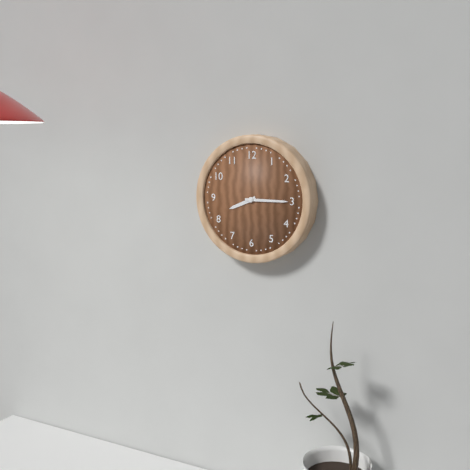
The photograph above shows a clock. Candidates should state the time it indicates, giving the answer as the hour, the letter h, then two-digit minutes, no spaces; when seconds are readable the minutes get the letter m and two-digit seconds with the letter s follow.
8h15
